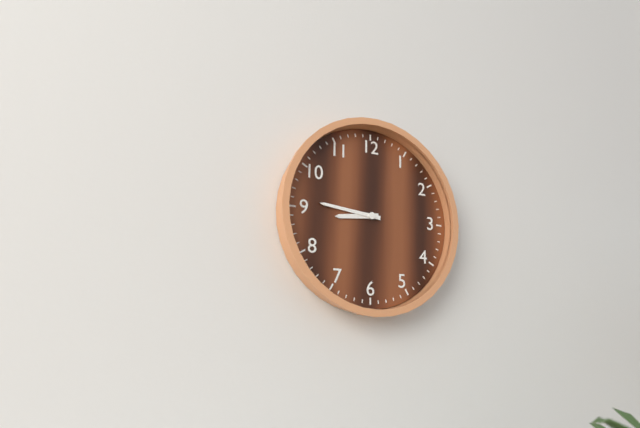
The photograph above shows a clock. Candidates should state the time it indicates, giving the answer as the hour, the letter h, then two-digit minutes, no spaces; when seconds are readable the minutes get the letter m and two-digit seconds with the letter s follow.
8h46
